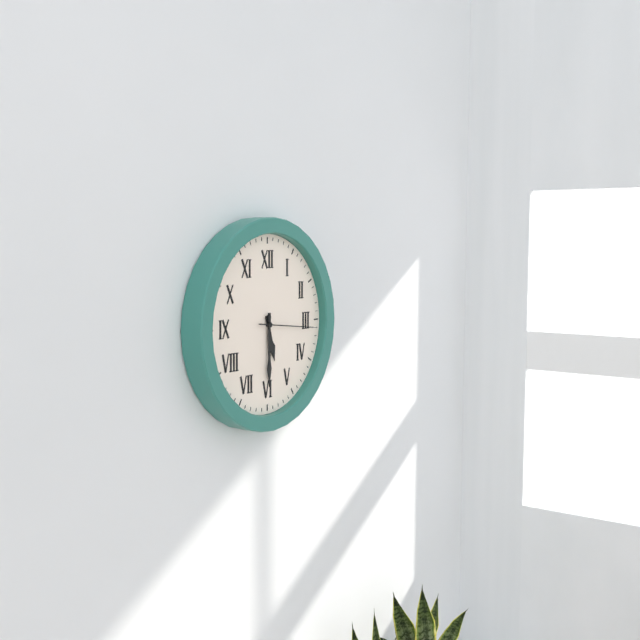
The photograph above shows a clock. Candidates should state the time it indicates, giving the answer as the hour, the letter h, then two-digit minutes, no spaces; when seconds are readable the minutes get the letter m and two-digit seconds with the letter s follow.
5h30m16s
